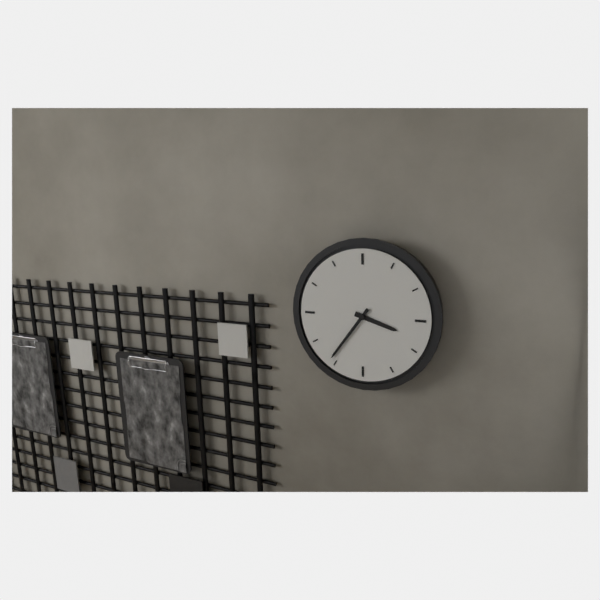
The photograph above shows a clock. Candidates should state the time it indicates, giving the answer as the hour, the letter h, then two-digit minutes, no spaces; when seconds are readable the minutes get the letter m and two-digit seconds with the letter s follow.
3h36
